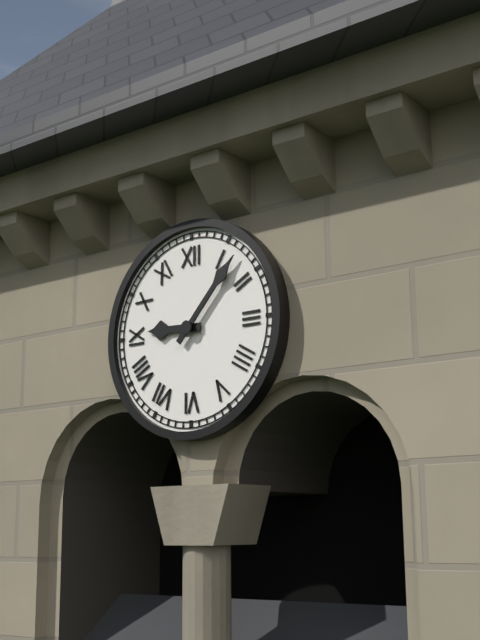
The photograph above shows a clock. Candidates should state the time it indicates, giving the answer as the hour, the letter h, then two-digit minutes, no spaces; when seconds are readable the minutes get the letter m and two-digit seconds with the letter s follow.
9h07
